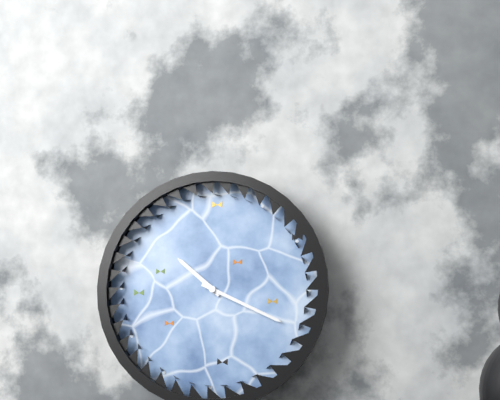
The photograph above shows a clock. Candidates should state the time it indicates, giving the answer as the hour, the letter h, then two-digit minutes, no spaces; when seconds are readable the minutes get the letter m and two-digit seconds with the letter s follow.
10h19
